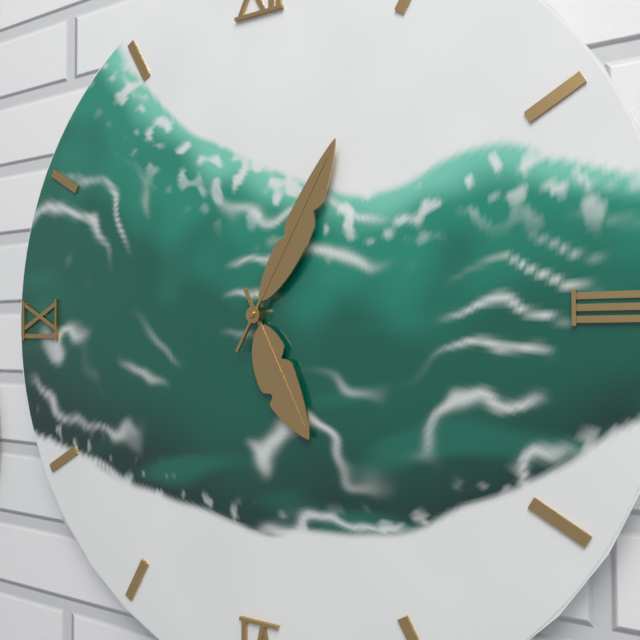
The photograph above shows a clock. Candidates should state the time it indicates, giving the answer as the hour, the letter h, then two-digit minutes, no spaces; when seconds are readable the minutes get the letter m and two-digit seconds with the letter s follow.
5h05
